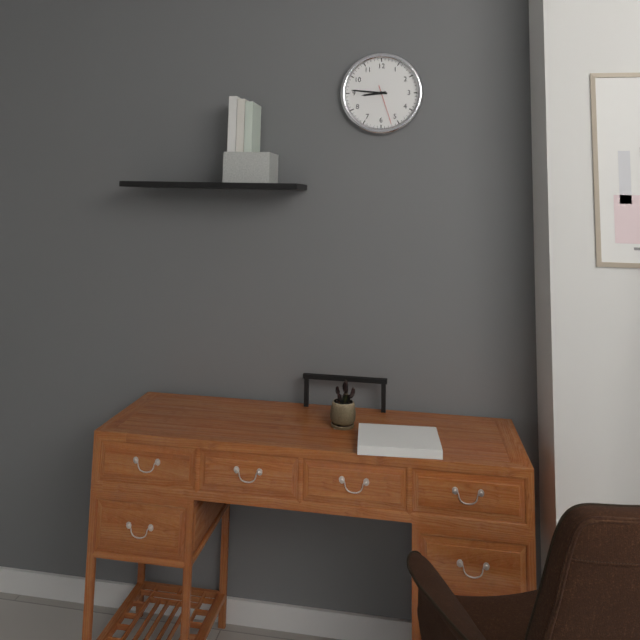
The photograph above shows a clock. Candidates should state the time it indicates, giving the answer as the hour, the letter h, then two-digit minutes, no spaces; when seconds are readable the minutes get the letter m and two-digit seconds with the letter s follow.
8h46
